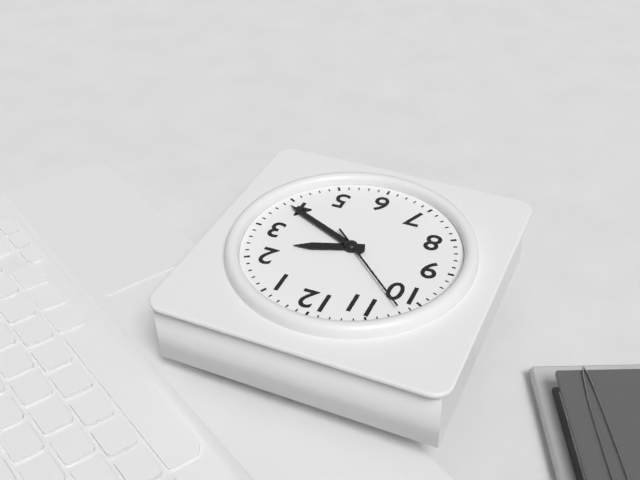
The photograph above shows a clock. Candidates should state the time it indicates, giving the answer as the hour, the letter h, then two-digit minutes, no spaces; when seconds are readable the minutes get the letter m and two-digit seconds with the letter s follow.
2h19m52s
